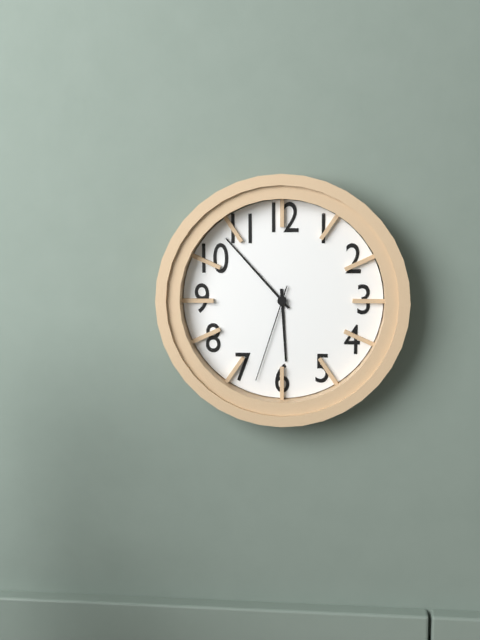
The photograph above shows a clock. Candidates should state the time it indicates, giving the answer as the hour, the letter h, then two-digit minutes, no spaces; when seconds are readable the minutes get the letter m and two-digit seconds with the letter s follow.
5h53m33s
